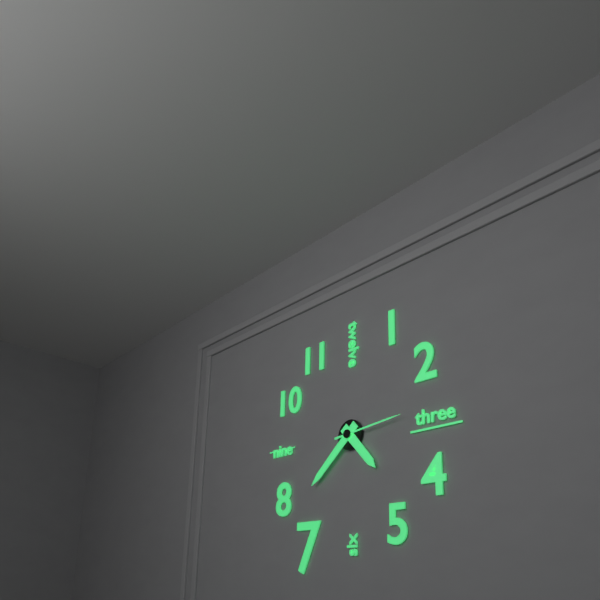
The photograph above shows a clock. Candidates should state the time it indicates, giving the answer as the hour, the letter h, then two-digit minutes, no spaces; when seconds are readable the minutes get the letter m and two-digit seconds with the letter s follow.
4h38m14s
